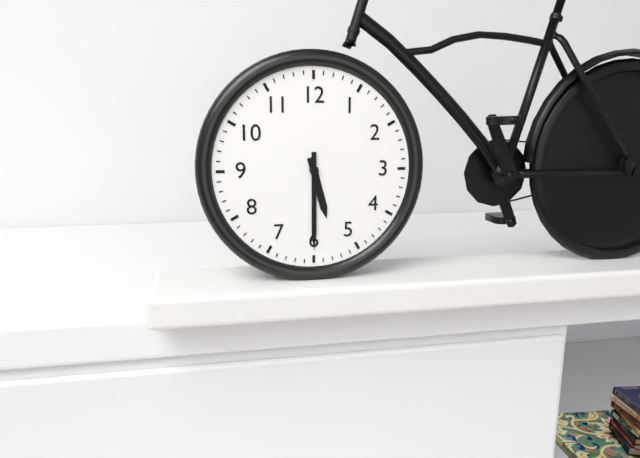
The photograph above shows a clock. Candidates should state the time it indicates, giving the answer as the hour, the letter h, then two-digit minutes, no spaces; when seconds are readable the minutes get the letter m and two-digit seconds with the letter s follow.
5h30
